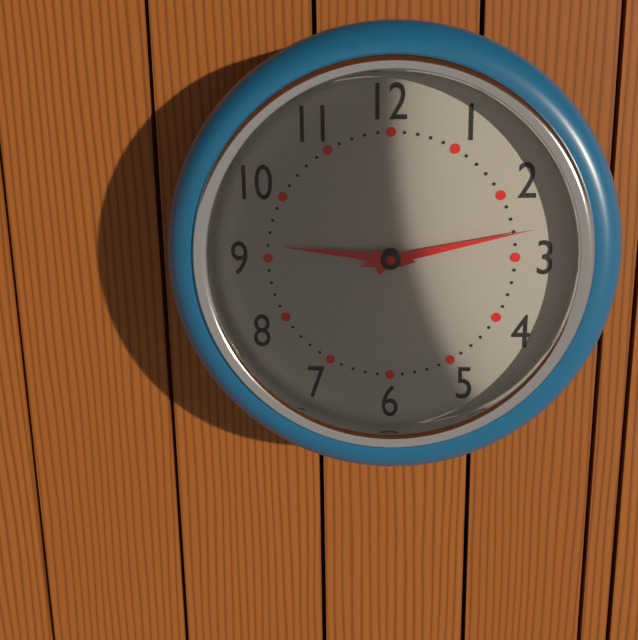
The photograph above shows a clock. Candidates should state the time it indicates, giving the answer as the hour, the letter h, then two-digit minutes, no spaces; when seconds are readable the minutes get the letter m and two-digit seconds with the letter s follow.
9h13
